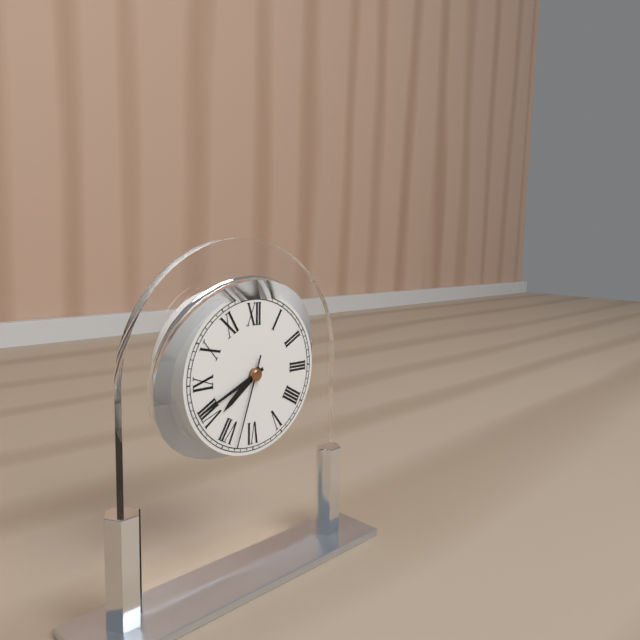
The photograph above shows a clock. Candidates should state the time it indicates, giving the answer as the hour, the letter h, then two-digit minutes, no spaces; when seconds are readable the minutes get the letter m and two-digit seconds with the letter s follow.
7h41m33s
